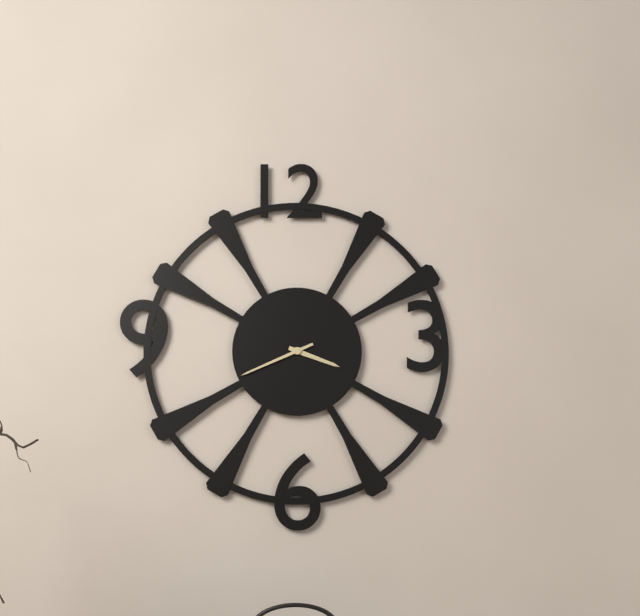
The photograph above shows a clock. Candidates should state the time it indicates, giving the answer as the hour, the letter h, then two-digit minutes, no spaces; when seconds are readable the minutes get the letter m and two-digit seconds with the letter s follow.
3h41
